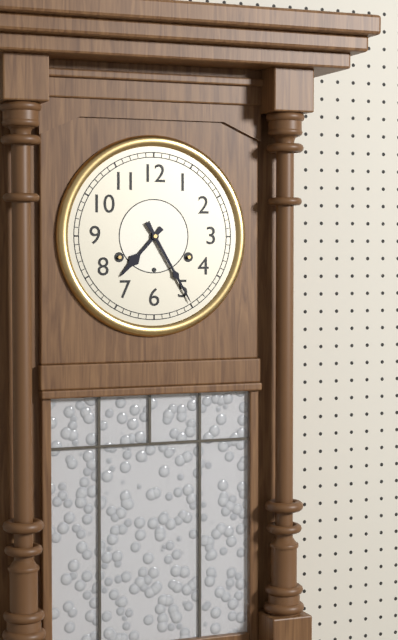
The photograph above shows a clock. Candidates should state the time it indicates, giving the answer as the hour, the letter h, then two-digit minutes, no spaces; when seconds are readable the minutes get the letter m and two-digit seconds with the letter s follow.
7h25
